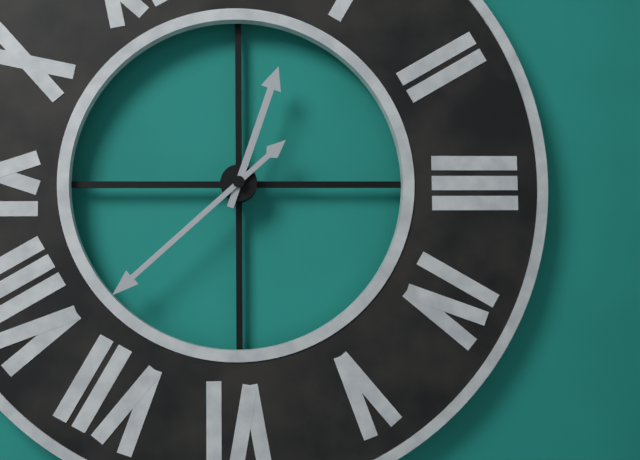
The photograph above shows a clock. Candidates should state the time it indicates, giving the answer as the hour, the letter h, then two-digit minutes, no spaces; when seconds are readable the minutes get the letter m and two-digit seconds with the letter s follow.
12h38
